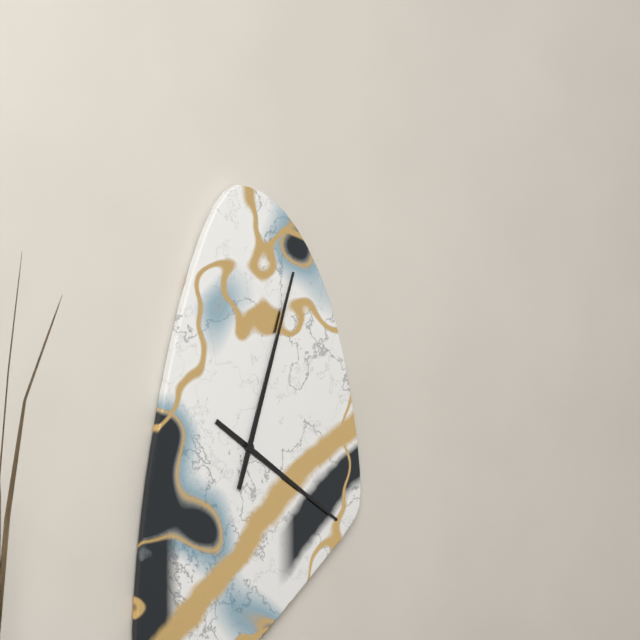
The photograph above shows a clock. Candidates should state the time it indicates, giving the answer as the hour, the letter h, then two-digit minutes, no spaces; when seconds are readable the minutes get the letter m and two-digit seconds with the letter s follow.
4h03
